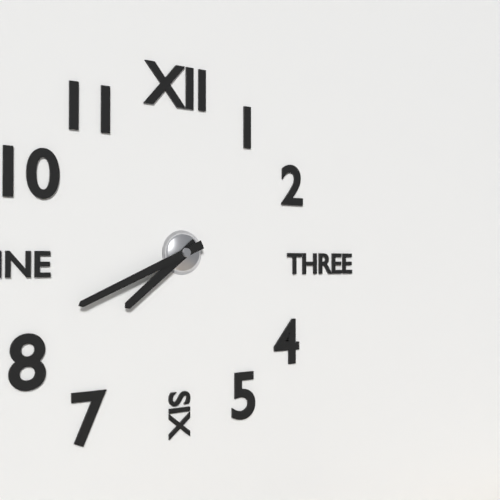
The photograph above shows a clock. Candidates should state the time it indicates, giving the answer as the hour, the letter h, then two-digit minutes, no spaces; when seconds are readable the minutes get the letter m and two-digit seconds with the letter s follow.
7h41
